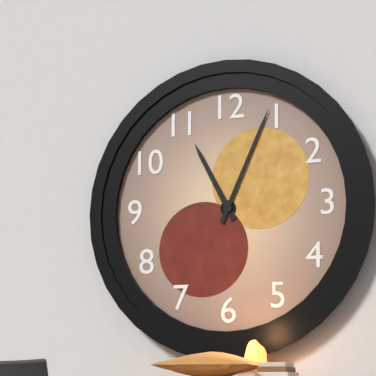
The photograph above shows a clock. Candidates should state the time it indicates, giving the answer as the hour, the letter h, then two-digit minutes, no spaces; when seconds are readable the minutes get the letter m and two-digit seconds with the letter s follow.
11h04
